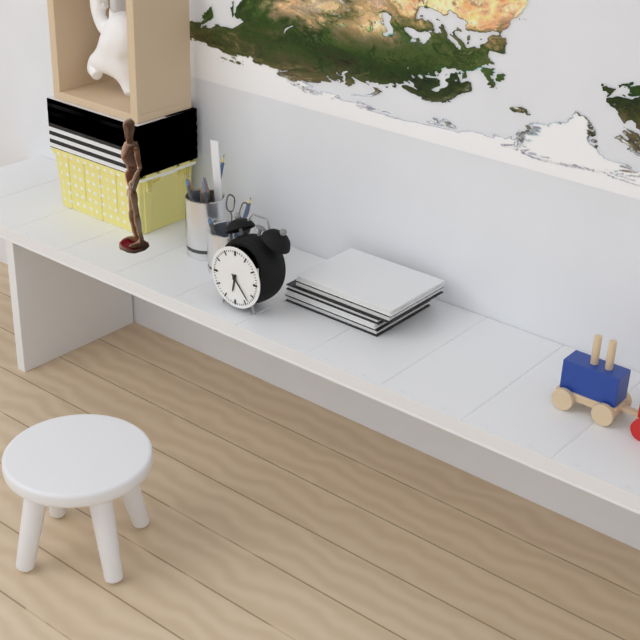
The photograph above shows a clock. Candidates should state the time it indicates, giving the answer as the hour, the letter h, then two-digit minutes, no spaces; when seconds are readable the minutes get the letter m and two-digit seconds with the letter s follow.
6h23
